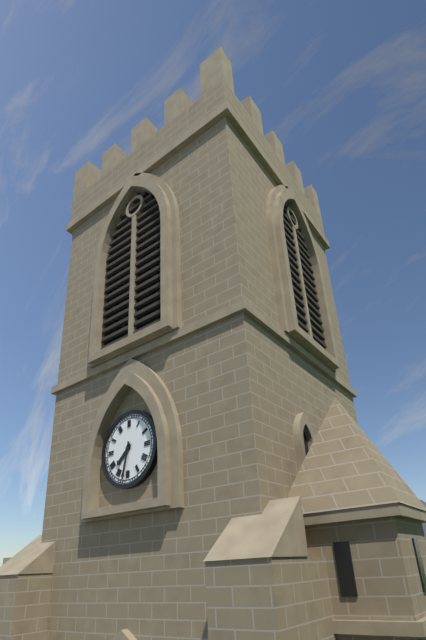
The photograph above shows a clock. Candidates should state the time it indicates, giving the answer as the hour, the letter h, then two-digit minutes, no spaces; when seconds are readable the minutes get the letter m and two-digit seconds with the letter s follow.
7h32
